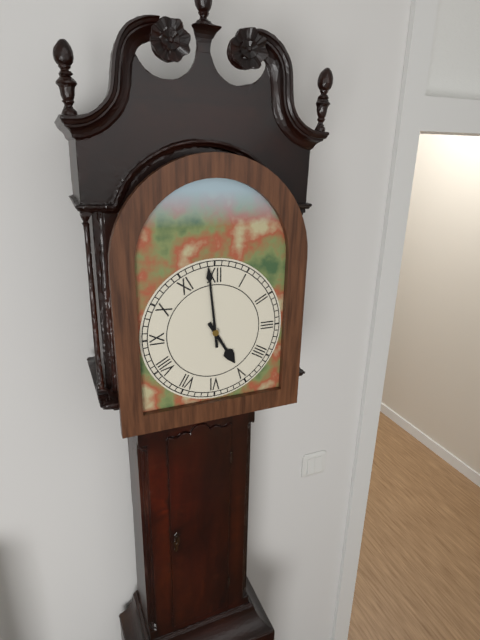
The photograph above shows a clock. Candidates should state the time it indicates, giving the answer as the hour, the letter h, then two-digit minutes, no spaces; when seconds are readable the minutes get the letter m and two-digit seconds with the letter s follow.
4h59
